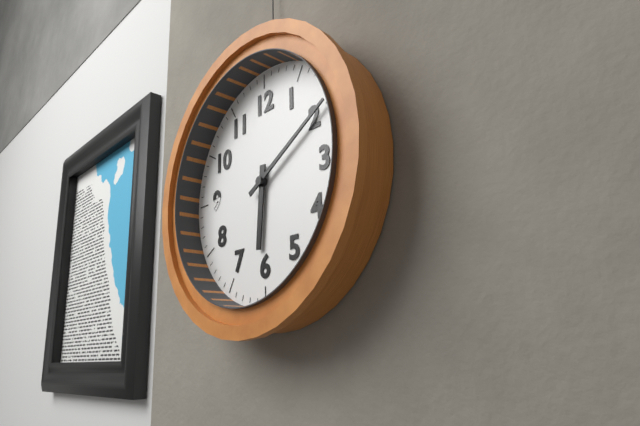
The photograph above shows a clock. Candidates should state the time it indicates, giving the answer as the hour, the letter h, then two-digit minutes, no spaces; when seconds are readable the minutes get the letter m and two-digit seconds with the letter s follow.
6h10
